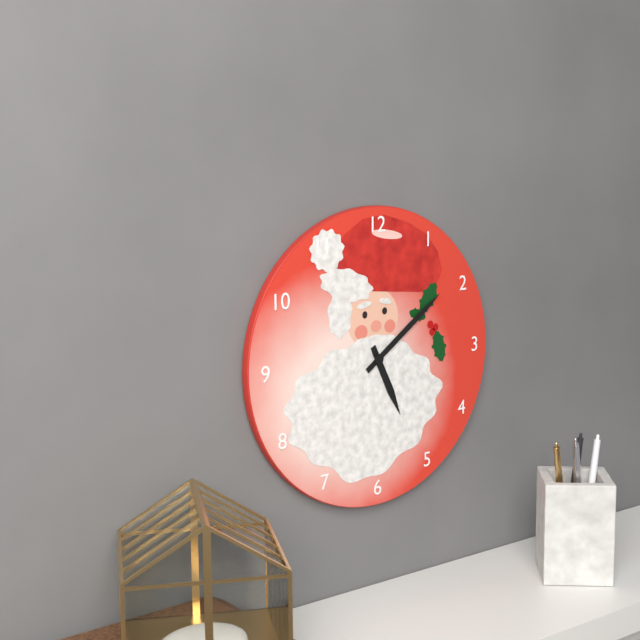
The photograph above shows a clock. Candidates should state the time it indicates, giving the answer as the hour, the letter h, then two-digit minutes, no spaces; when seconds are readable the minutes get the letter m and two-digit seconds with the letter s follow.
5h09
